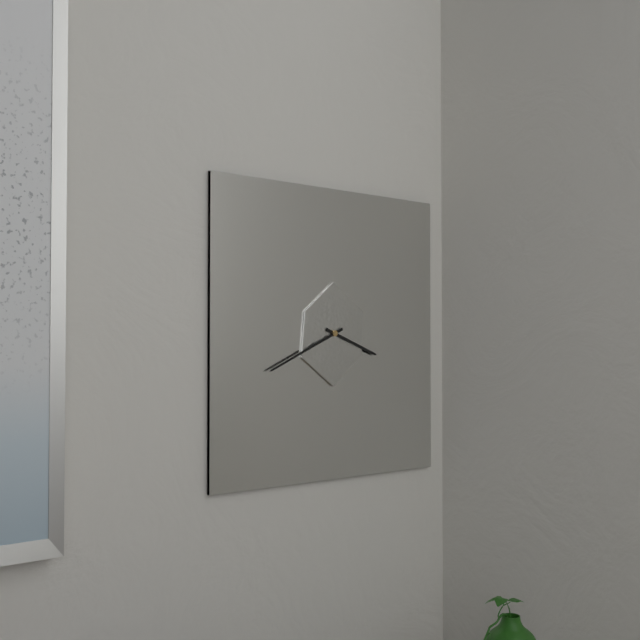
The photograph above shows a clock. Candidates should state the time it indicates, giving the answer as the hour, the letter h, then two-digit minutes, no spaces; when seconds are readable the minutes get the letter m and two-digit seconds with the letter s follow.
3h41
